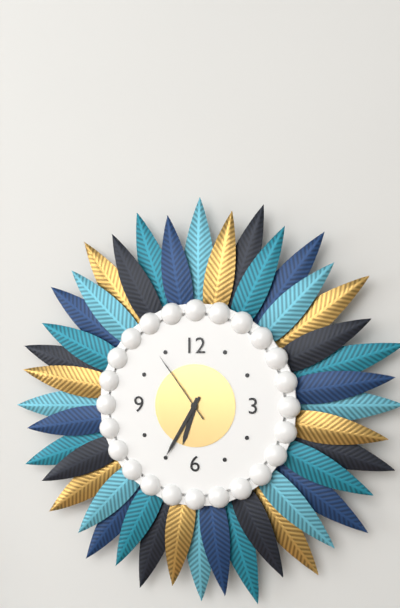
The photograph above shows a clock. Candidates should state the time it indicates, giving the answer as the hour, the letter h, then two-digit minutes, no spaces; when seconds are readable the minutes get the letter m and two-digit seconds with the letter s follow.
6h35m54s
